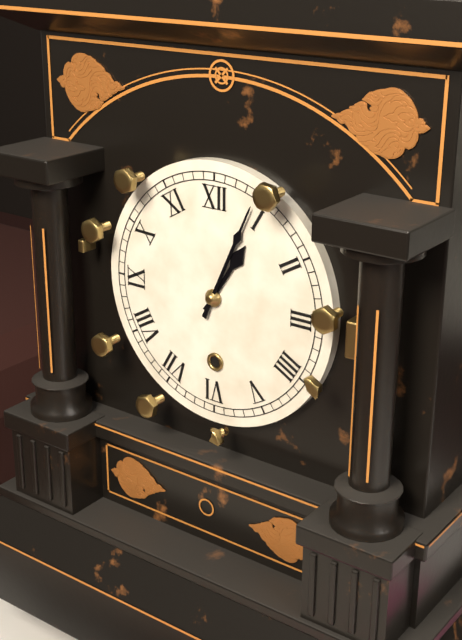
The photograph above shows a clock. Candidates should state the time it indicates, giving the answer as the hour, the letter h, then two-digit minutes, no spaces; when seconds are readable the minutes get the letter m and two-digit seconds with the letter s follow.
1h04
